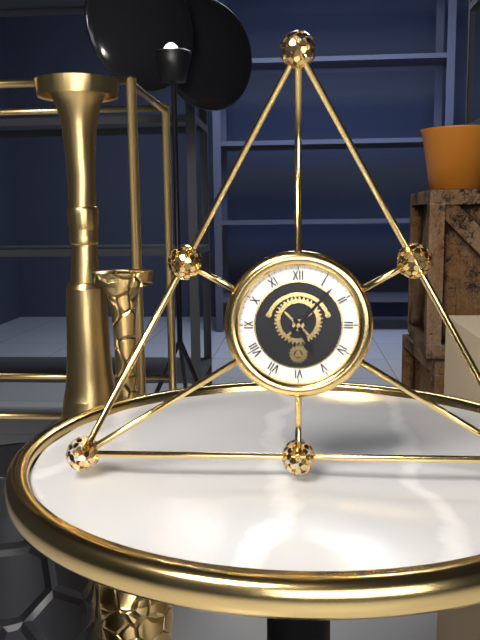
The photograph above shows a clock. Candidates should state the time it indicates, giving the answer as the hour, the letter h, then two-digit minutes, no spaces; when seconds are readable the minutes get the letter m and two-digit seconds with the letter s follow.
5h07
